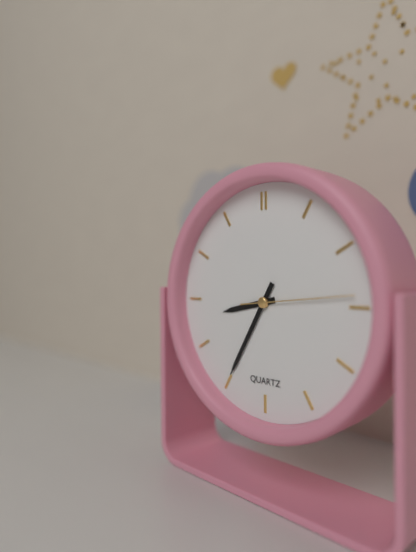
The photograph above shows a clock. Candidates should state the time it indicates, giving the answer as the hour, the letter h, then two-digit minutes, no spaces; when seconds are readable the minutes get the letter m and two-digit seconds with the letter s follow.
8h35m14s
